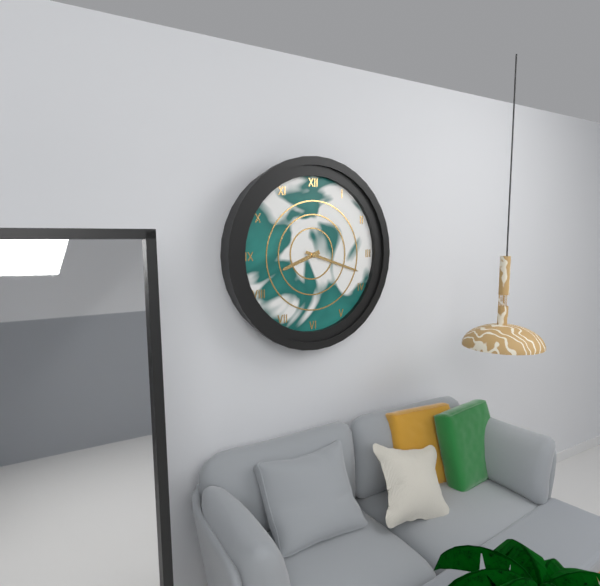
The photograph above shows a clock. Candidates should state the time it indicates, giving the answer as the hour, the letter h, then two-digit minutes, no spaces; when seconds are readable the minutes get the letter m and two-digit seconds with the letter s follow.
8h18
